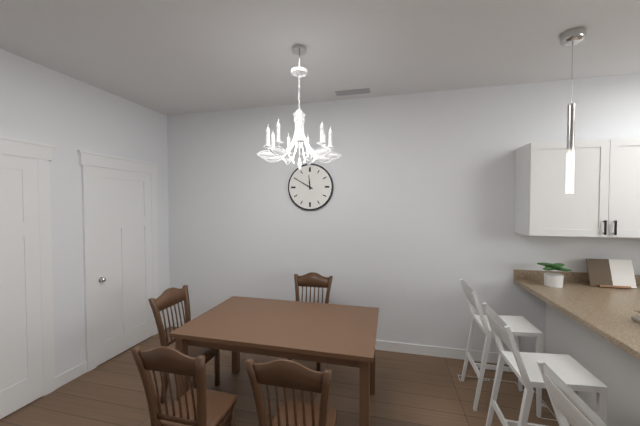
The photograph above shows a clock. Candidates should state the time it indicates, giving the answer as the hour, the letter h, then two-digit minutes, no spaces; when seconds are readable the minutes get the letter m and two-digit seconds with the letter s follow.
11h50
